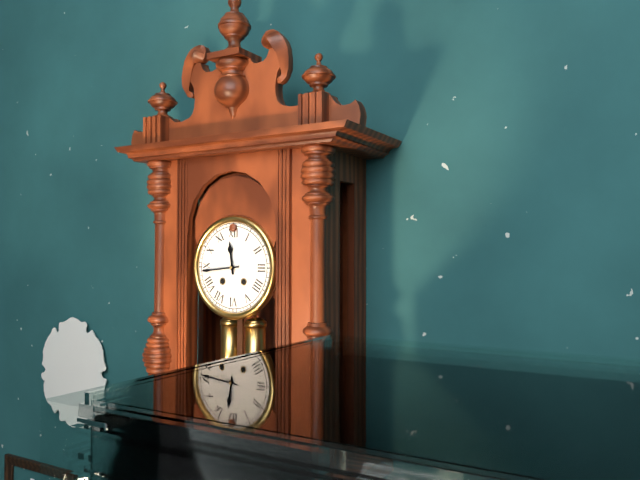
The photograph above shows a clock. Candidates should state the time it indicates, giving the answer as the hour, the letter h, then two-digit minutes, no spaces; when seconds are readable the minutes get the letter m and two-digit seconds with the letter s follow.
11h44
